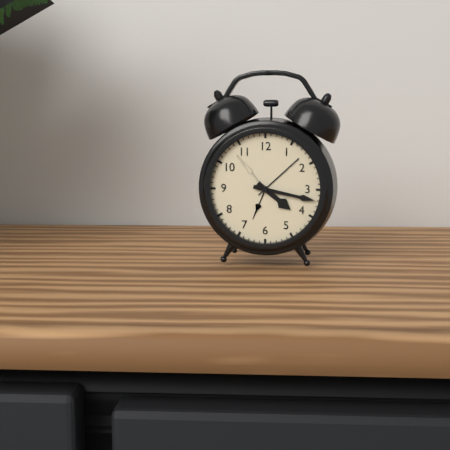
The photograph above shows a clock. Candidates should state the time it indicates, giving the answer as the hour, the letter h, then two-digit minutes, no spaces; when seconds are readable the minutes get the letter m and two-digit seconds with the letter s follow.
4h17
